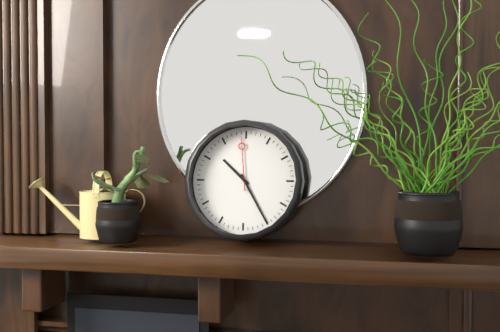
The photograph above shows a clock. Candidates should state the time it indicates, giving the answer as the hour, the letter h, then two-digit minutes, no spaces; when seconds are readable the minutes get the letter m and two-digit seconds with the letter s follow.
10h25m59s
